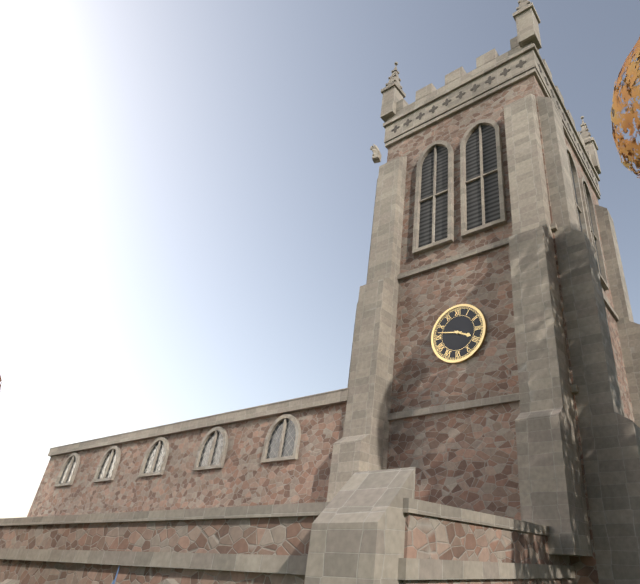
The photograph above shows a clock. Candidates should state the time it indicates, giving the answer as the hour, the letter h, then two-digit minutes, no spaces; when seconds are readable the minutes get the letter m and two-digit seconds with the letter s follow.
3h47
